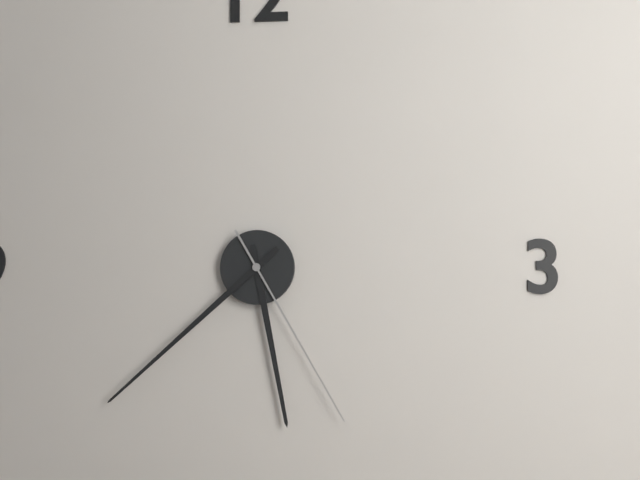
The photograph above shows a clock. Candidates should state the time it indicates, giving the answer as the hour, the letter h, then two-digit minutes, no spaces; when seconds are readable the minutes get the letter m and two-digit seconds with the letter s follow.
5h38m25s
